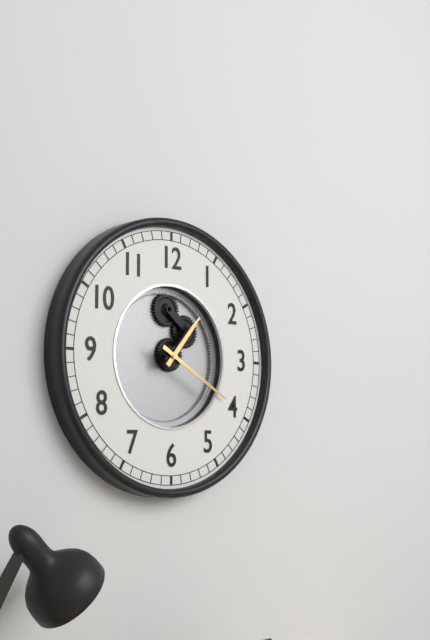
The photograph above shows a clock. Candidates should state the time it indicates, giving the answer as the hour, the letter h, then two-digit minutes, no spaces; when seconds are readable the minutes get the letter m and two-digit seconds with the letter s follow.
1h20
